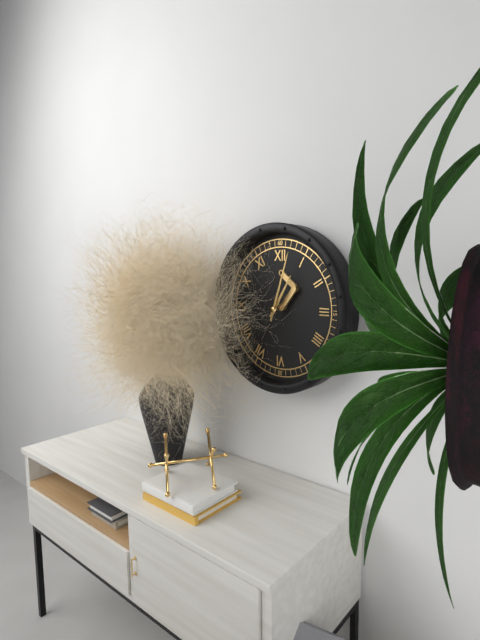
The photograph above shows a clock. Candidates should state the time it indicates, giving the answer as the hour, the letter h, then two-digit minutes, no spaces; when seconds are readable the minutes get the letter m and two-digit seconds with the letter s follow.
1h03
